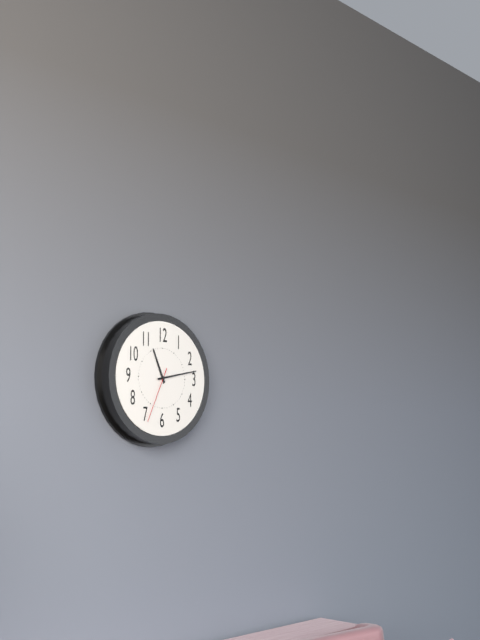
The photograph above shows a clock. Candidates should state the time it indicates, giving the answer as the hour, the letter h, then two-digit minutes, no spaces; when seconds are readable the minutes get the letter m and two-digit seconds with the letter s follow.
11h13m34s
